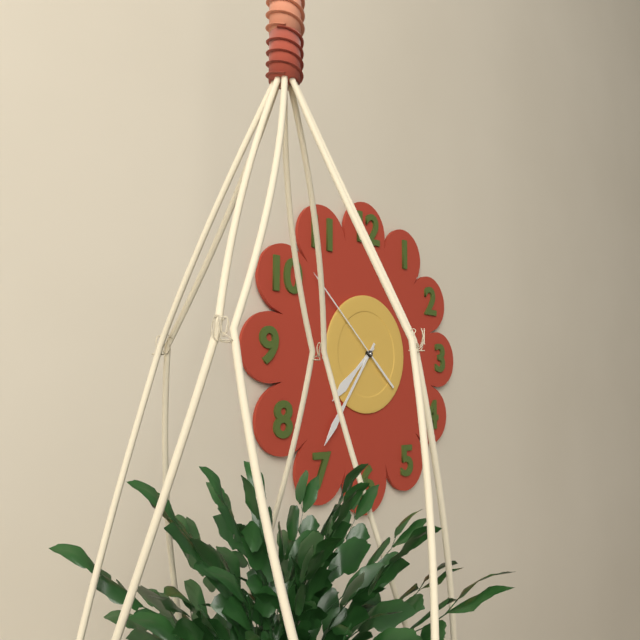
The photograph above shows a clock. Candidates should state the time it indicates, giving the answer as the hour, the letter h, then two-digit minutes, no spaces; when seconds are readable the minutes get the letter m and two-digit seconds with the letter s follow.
7h36m52s
